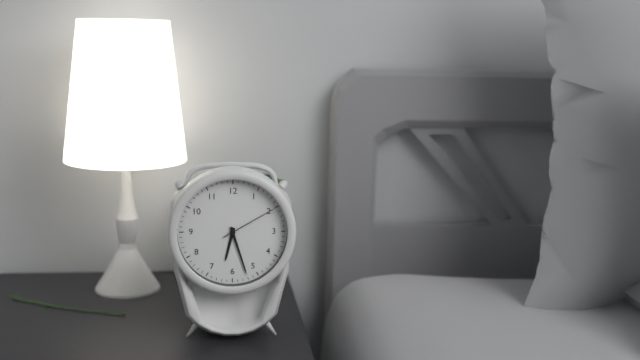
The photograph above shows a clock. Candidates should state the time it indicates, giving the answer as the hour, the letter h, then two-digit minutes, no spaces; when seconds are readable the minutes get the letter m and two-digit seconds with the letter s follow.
6h27m10s
